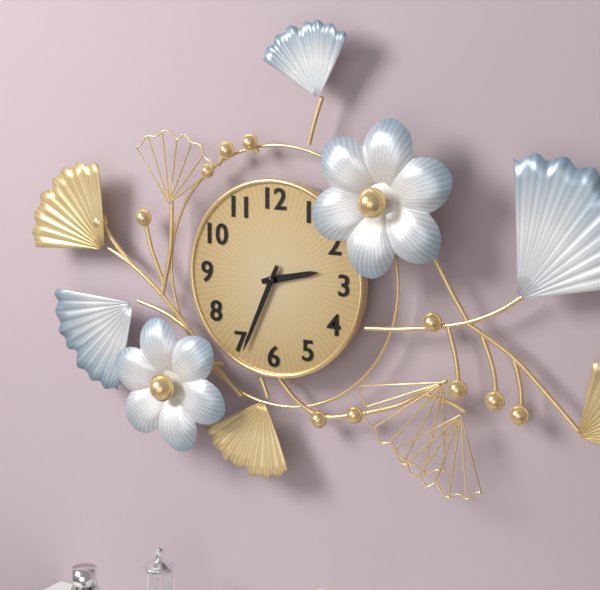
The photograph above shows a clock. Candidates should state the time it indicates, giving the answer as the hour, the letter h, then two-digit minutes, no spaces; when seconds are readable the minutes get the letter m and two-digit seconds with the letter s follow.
2h34
